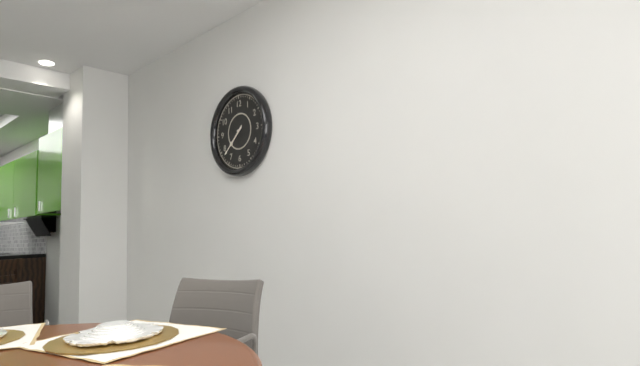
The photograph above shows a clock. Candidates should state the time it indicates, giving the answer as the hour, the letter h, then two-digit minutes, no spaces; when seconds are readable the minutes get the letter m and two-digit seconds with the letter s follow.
7h38
